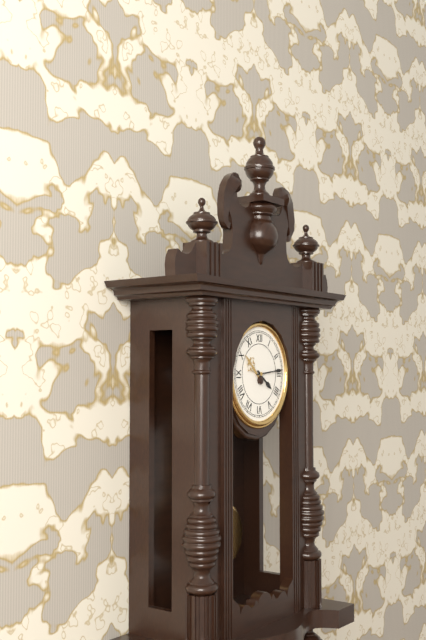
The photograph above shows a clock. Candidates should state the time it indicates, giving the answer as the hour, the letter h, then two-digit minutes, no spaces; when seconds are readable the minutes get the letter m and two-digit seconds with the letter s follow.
4h14
